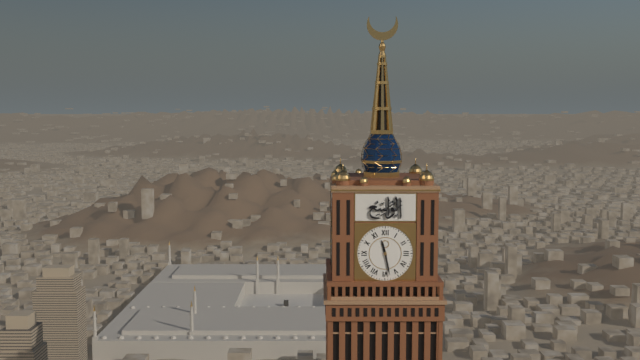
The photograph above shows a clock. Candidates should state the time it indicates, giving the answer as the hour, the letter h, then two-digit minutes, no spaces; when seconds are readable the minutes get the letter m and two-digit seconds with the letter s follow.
11h28
